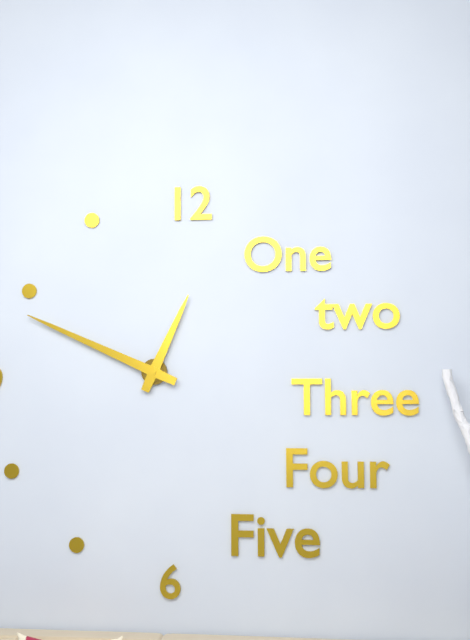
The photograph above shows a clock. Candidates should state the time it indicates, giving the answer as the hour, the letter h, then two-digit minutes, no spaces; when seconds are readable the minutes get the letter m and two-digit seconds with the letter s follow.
12h49
